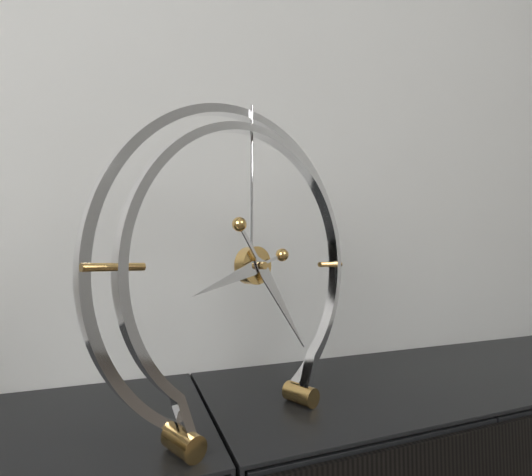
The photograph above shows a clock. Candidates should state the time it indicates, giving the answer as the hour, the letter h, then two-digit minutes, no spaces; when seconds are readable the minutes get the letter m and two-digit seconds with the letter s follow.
8h24
